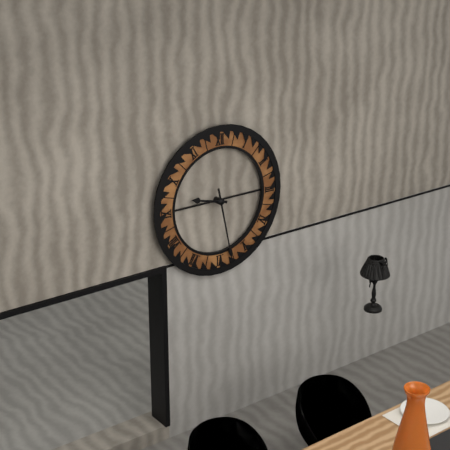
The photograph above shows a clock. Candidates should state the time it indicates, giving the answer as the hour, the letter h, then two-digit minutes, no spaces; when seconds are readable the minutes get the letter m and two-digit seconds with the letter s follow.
9h28
